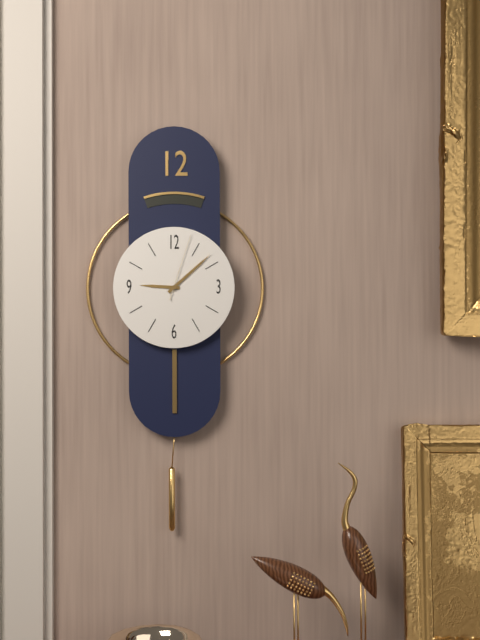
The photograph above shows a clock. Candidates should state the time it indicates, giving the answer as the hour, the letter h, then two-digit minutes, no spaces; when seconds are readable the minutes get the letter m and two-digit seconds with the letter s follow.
9h08m03s
